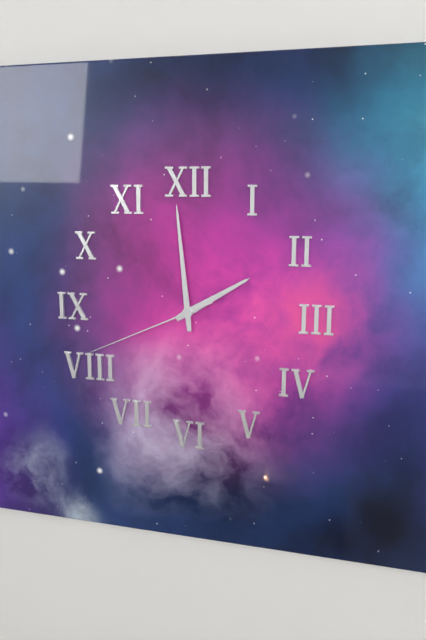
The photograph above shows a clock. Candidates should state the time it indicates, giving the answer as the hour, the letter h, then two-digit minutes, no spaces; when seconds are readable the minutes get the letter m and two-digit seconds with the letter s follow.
1h59m41s
